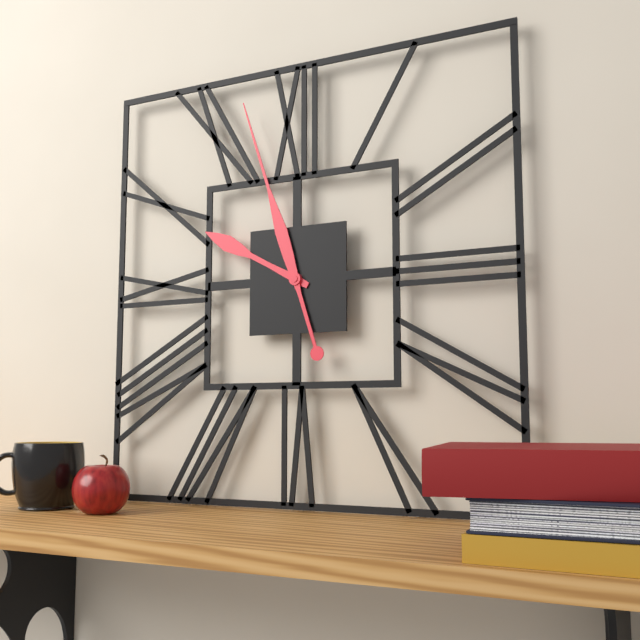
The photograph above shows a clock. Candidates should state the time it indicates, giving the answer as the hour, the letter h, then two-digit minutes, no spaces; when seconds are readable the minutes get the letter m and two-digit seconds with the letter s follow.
9h57
